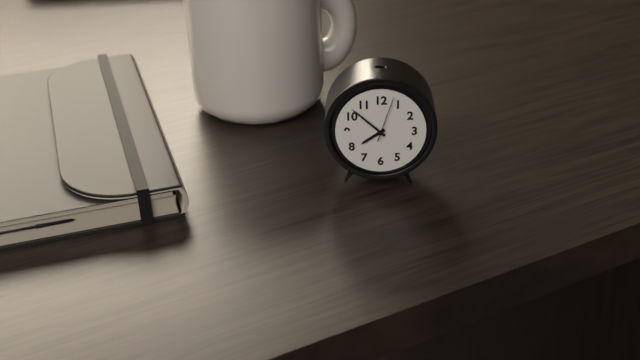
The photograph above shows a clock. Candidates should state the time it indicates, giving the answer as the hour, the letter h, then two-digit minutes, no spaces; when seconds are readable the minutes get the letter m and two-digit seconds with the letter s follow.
7h52
